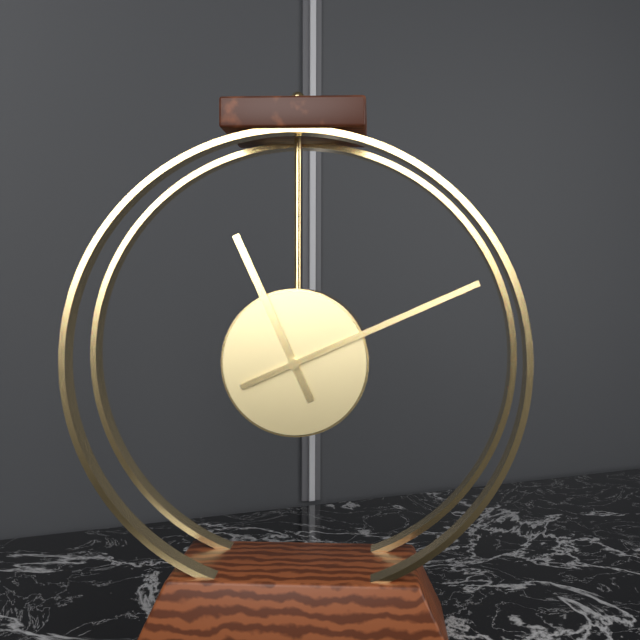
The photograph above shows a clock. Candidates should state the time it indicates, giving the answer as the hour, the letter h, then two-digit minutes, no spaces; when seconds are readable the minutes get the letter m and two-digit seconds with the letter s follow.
11h11
